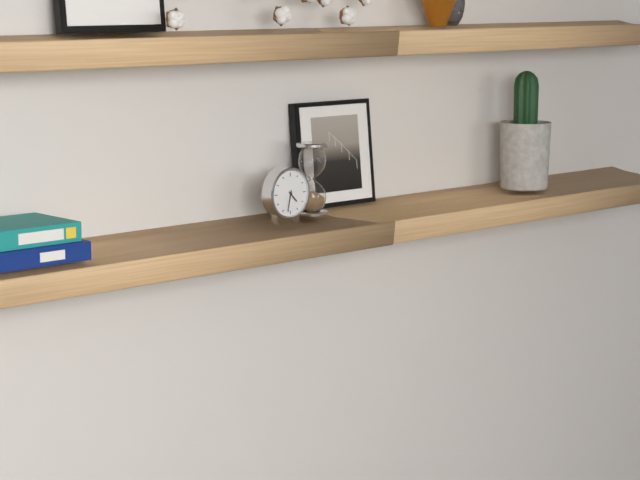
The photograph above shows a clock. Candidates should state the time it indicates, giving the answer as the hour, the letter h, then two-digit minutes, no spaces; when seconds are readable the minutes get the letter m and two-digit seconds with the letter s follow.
4h32
